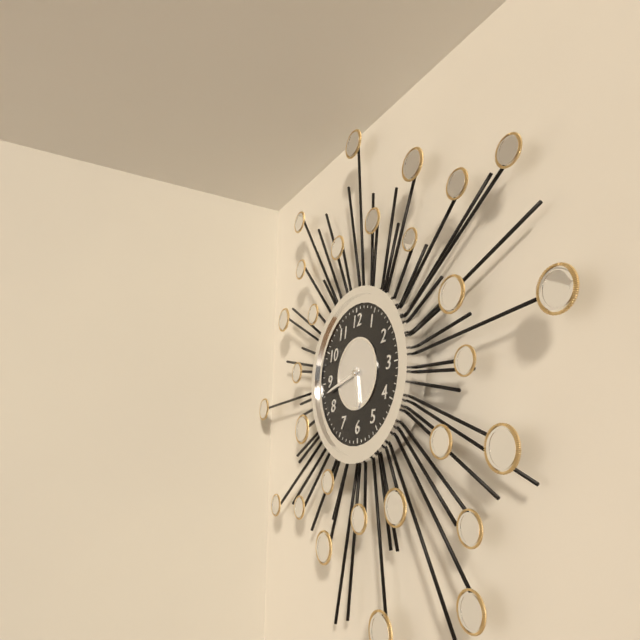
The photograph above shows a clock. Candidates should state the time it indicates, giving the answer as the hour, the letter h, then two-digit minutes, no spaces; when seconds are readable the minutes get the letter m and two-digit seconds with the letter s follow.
5h43
